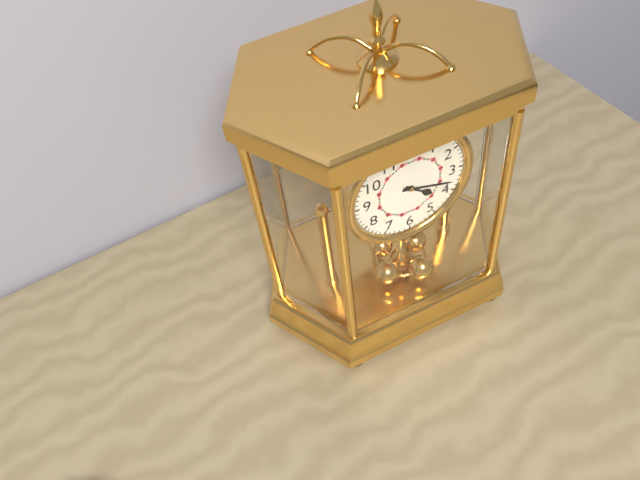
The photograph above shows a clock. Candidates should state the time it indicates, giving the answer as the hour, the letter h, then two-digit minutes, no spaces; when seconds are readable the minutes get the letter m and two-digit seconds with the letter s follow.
4h18
